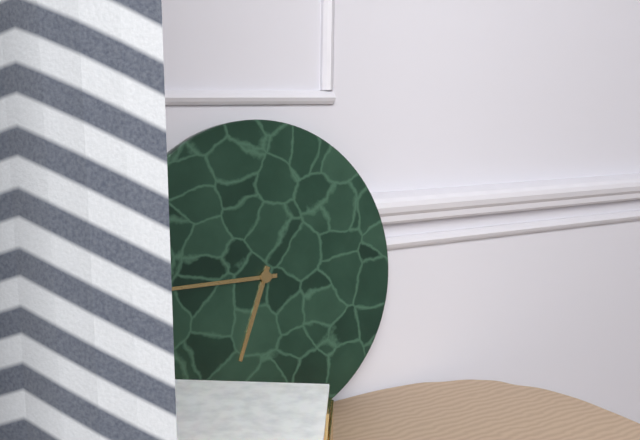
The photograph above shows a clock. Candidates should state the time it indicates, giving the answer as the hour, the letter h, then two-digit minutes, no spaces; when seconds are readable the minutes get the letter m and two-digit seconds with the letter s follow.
6h45
